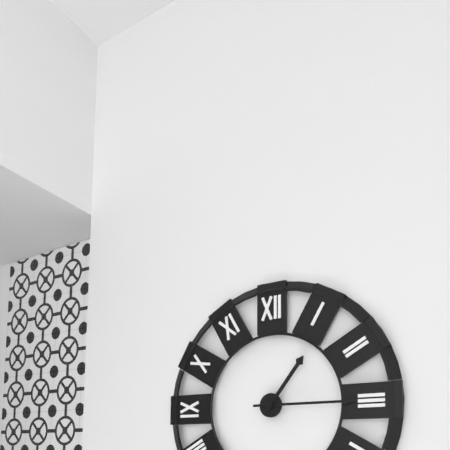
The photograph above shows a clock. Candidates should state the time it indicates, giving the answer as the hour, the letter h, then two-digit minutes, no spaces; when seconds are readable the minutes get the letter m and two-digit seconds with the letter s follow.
1h15
